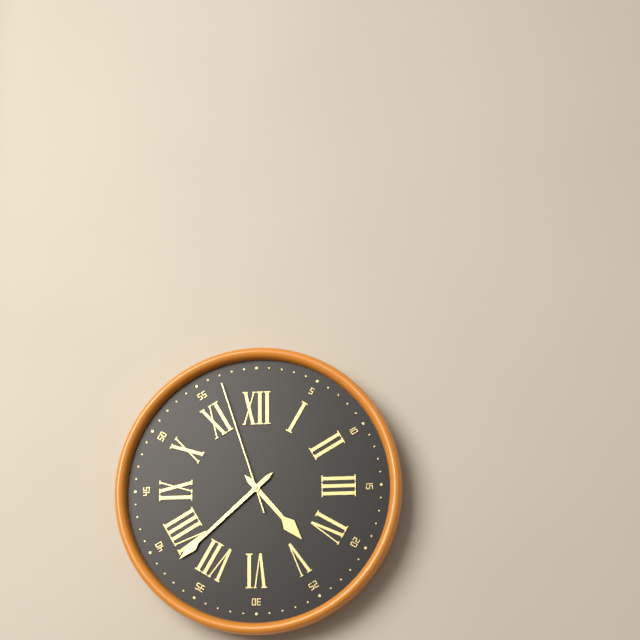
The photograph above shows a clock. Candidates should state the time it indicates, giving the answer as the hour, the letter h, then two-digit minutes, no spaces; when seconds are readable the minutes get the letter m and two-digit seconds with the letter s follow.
4h38m57s
